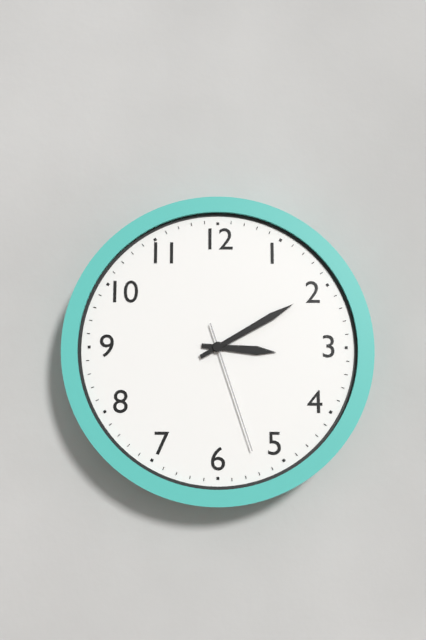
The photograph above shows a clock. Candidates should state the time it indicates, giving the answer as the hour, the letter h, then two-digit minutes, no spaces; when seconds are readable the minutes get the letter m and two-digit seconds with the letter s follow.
3h10m27s
